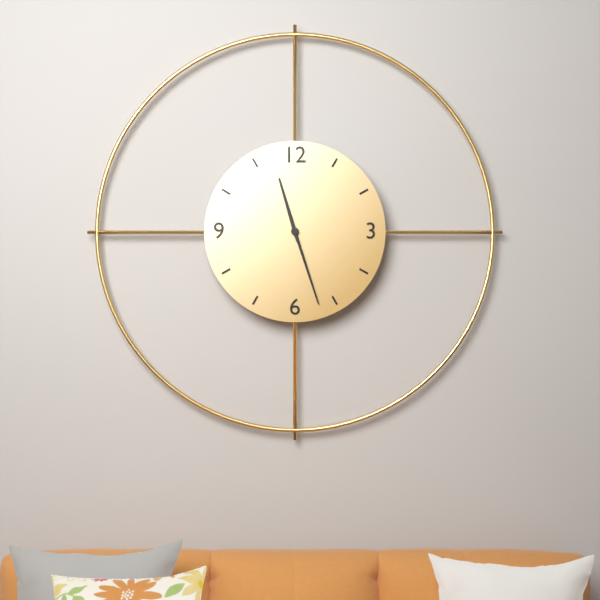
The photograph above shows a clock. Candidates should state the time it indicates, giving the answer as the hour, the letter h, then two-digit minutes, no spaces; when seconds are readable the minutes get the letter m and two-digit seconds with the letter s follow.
11h27
